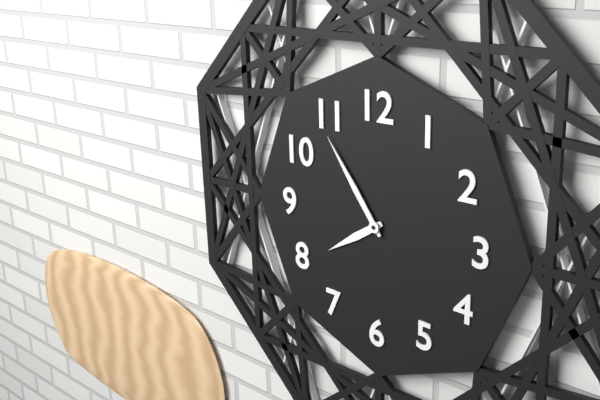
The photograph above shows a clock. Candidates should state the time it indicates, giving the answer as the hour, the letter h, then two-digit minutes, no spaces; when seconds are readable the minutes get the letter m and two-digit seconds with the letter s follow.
7h54
